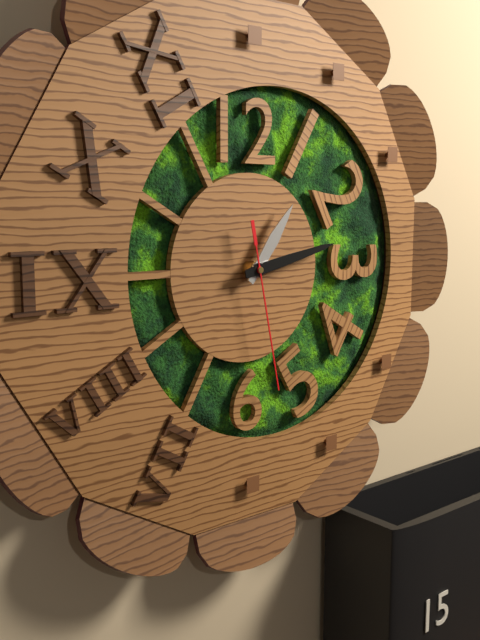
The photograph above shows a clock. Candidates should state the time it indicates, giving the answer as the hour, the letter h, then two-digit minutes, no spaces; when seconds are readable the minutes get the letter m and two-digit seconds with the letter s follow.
1h13m28s
